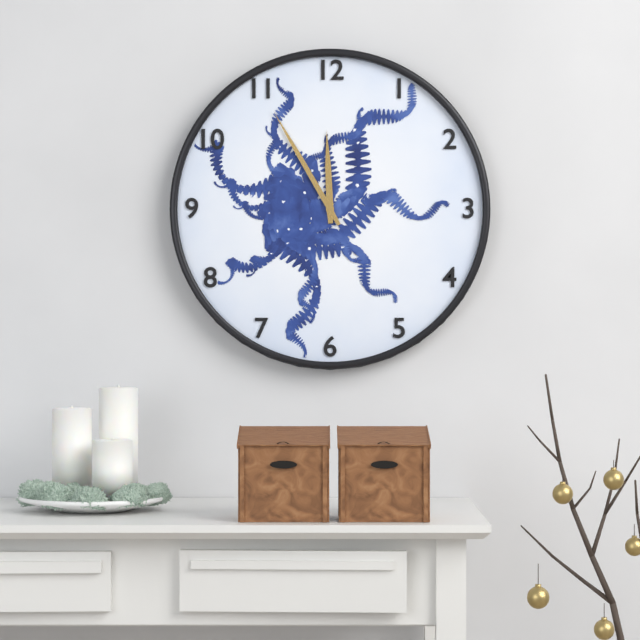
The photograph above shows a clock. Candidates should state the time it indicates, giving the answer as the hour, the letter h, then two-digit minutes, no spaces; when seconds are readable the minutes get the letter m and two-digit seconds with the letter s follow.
11h55
